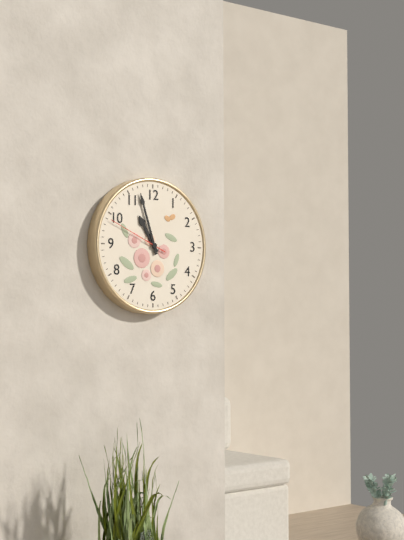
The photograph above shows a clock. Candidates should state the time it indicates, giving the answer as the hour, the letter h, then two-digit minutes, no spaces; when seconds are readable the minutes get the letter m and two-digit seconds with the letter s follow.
10h57m49s
